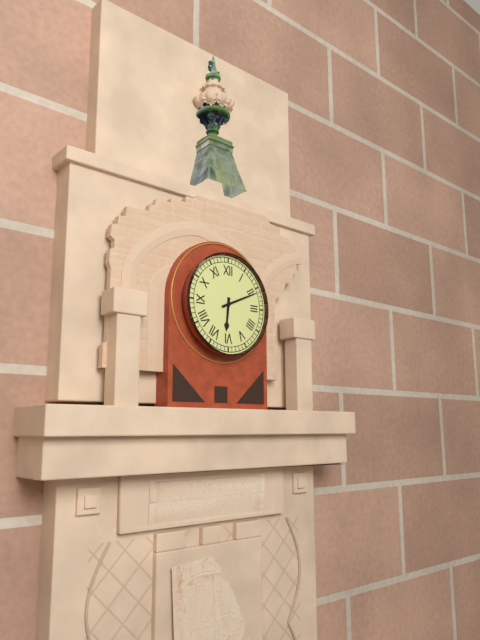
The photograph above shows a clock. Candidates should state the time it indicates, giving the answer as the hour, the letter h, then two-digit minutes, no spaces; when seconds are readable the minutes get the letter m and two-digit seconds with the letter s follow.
6h11
